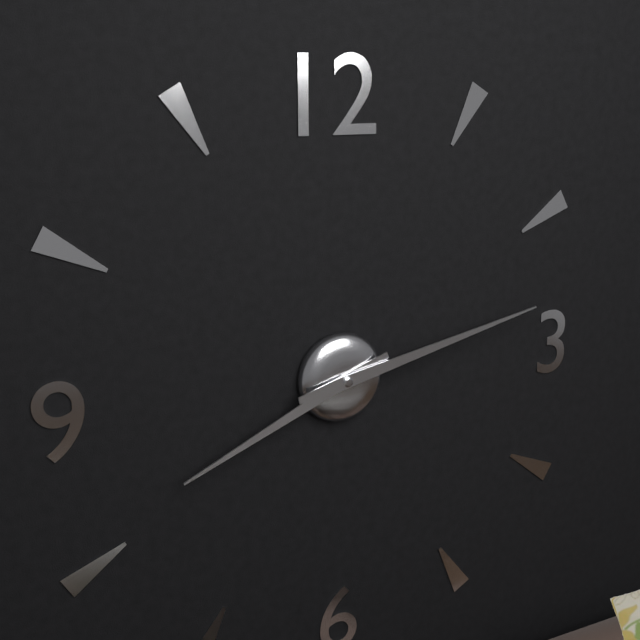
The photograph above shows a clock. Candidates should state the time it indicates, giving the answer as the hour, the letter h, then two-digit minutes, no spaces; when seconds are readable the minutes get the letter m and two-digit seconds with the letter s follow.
8h13
